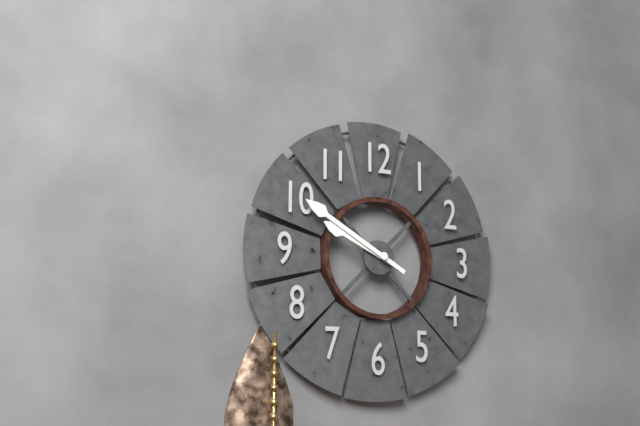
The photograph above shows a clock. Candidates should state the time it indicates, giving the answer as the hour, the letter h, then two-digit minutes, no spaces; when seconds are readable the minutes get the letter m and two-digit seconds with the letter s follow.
9h50
